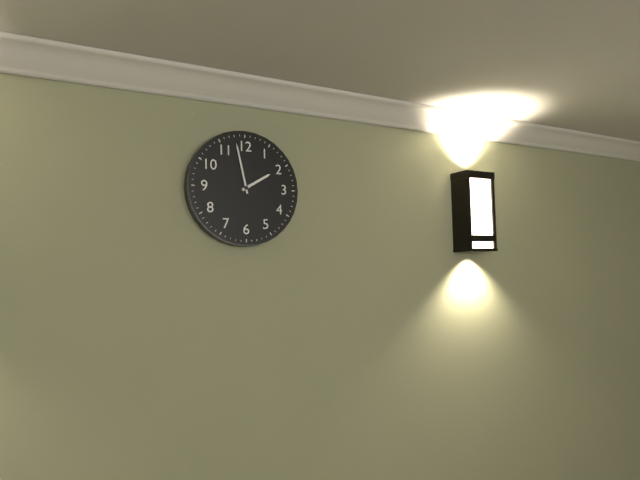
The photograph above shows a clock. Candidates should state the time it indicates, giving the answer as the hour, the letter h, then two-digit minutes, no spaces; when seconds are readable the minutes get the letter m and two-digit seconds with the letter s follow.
1h58
